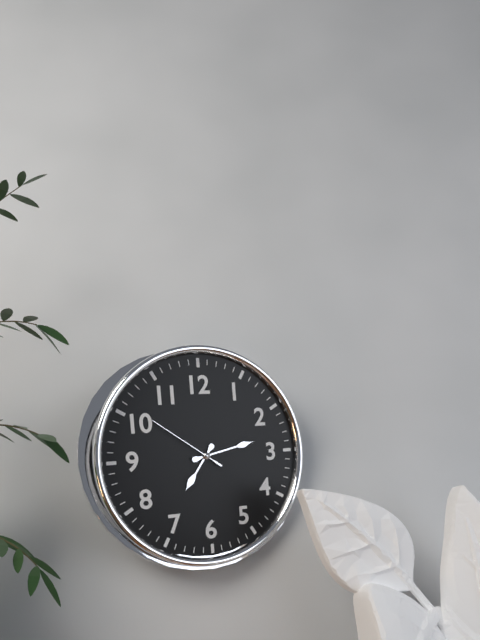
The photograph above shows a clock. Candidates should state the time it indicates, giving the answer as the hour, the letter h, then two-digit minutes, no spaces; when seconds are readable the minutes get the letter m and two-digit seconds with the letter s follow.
7h13m51s
